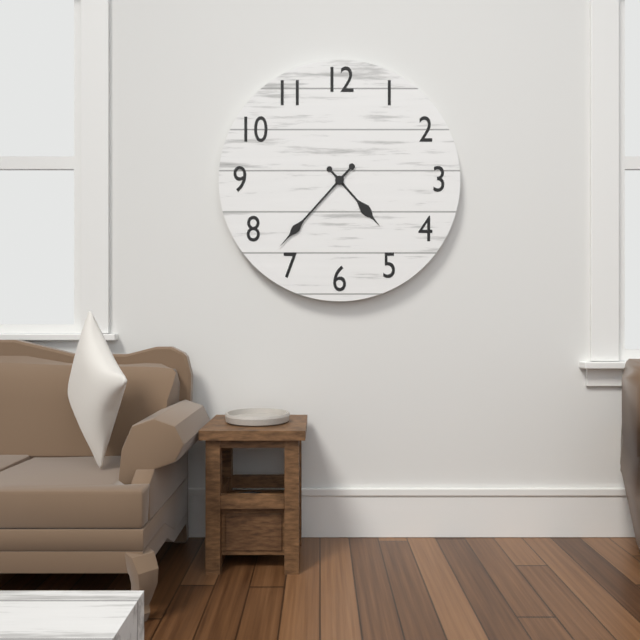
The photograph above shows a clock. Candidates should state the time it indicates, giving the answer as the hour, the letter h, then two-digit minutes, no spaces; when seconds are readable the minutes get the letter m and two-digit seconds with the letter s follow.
4h37
